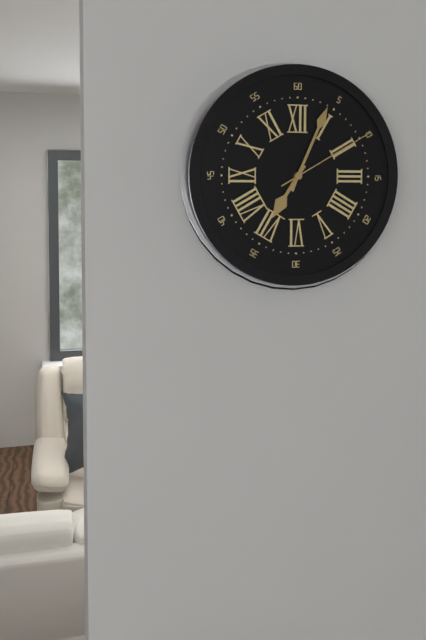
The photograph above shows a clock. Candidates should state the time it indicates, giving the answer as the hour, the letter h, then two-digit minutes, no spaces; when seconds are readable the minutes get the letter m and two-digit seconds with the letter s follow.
7h04m10s
